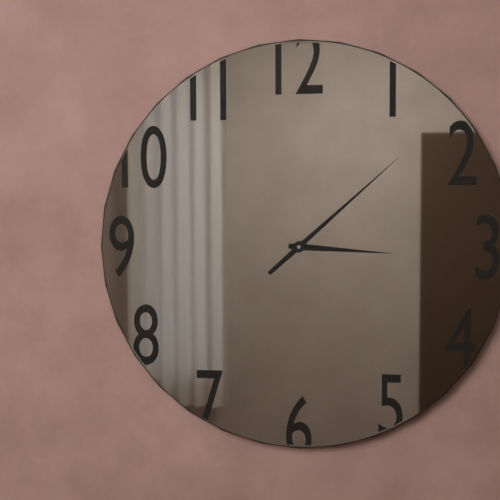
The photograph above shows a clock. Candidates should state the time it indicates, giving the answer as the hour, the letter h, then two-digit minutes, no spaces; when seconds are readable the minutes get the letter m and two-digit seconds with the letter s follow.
3h08
